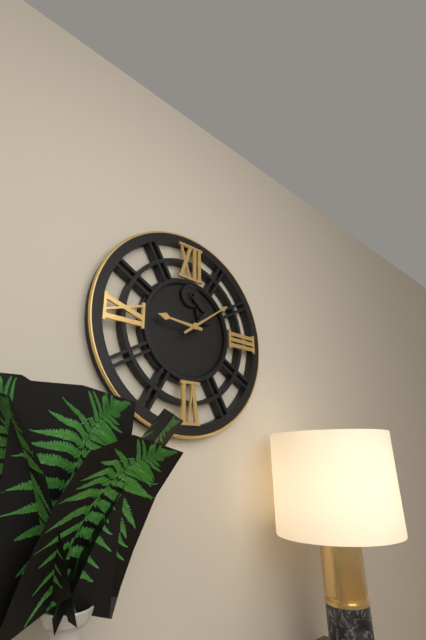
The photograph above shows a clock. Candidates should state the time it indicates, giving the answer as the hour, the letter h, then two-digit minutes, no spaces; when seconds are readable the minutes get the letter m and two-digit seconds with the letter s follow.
9h09
